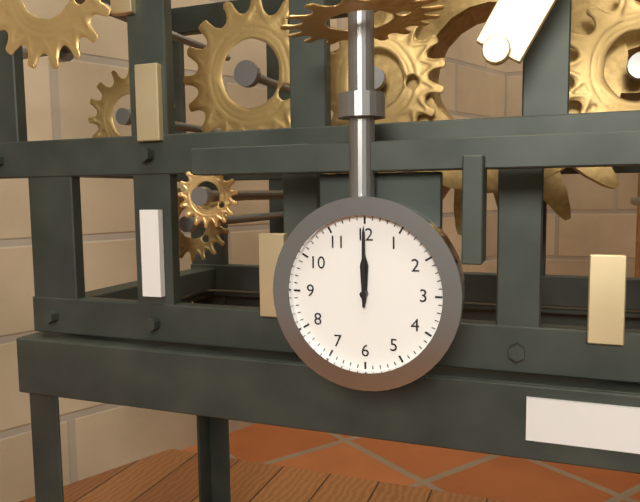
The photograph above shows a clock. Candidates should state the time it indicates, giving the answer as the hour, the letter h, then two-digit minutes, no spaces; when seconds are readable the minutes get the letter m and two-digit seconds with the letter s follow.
12h00
